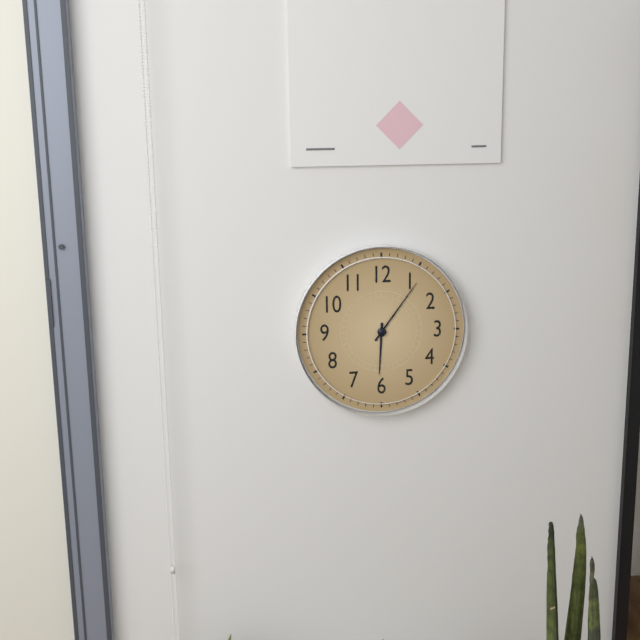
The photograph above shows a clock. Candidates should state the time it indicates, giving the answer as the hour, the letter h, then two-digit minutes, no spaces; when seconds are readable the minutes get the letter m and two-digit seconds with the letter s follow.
6h06
